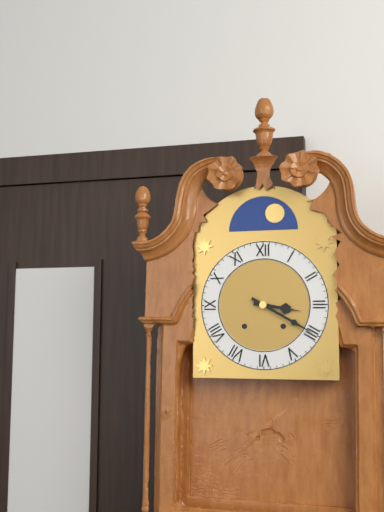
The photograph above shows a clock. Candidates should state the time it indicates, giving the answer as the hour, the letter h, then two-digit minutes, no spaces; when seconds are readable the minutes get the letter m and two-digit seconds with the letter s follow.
3h20
